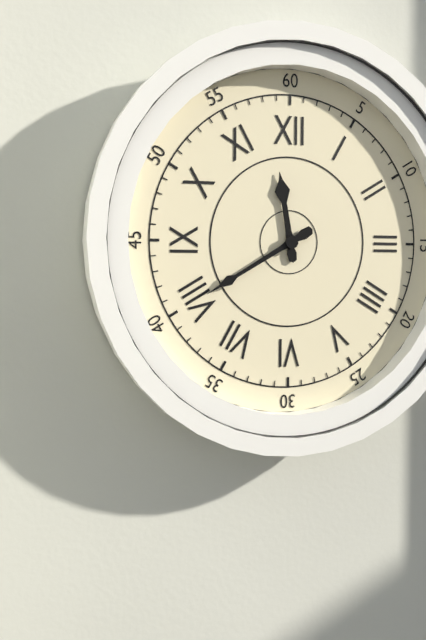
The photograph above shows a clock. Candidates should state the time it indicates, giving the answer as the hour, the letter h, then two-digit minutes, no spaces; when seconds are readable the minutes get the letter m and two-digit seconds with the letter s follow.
11h40
